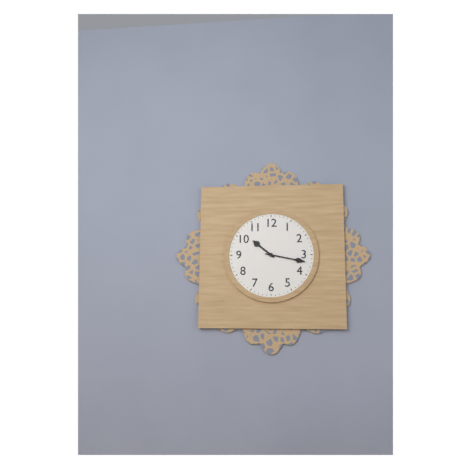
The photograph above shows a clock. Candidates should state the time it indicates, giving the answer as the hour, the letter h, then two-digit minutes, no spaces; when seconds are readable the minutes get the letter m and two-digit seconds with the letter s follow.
10h17
